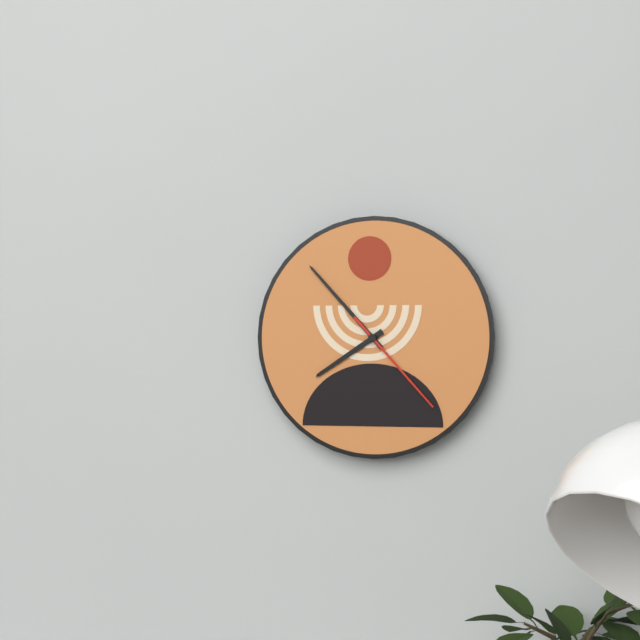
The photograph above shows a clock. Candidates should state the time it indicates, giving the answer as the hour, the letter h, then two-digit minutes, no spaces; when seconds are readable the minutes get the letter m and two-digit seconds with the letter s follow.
7h53m23s
